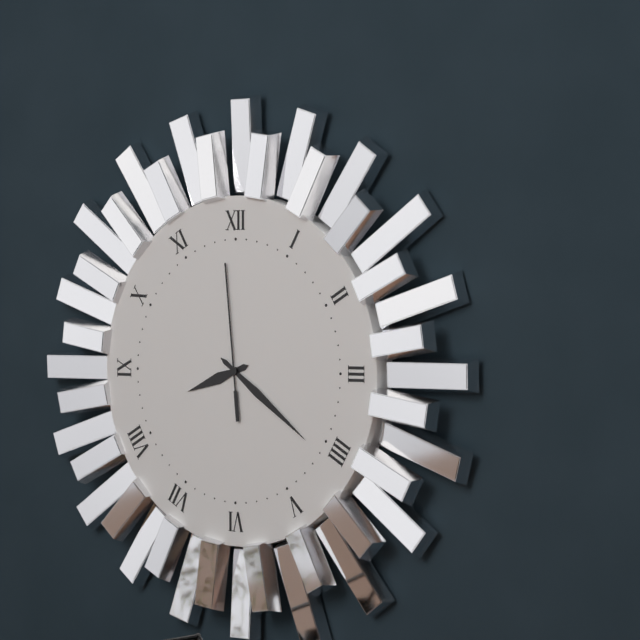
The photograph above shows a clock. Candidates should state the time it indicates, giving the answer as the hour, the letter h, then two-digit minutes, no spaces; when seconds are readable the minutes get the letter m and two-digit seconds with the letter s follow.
8h21m59s
